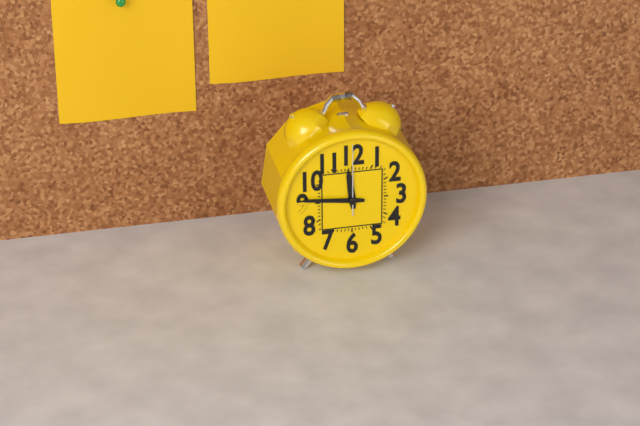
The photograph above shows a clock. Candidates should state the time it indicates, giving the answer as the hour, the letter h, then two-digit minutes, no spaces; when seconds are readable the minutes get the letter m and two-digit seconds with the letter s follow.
11h46m00s
